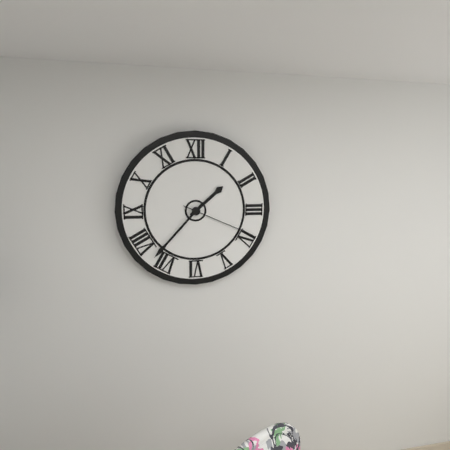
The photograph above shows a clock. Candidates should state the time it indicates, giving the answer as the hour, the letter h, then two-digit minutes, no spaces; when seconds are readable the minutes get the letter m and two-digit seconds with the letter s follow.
1h37m19s
